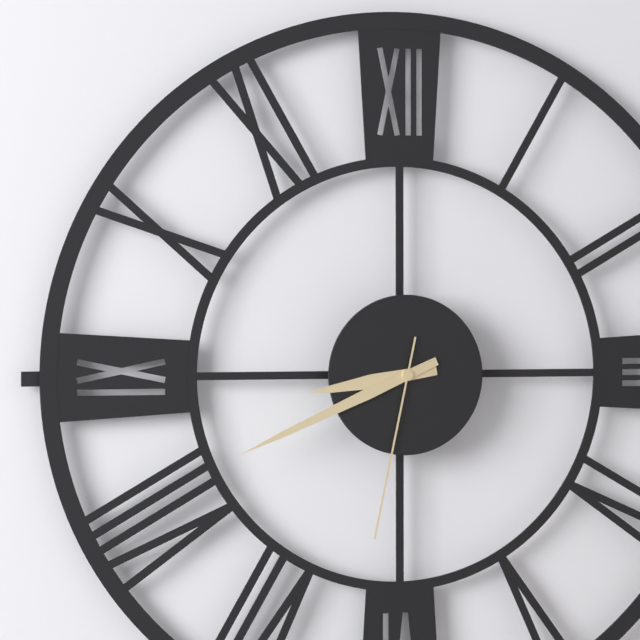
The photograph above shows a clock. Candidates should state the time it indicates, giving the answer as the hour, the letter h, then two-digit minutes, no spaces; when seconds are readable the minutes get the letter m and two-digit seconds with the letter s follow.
8h41m32s
